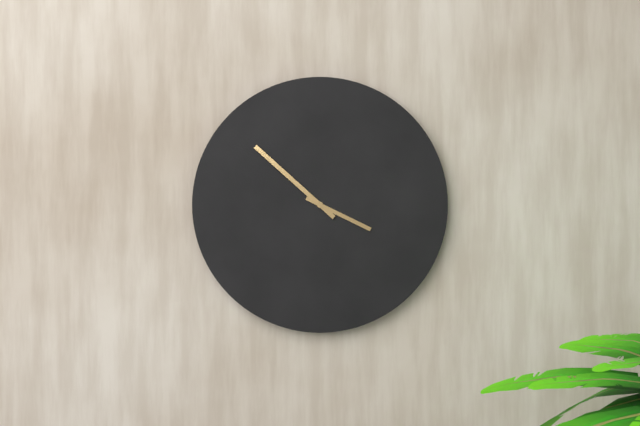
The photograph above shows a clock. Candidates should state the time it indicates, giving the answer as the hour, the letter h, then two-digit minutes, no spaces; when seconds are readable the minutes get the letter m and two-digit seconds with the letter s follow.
3h52
